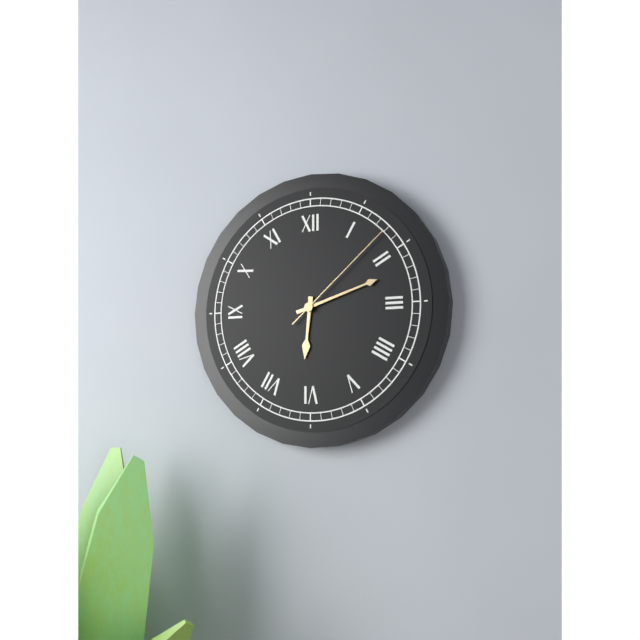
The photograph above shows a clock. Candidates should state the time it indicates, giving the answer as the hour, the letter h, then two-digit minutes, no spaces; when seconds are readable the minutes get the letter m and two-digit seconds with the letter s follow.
6h12m08s
